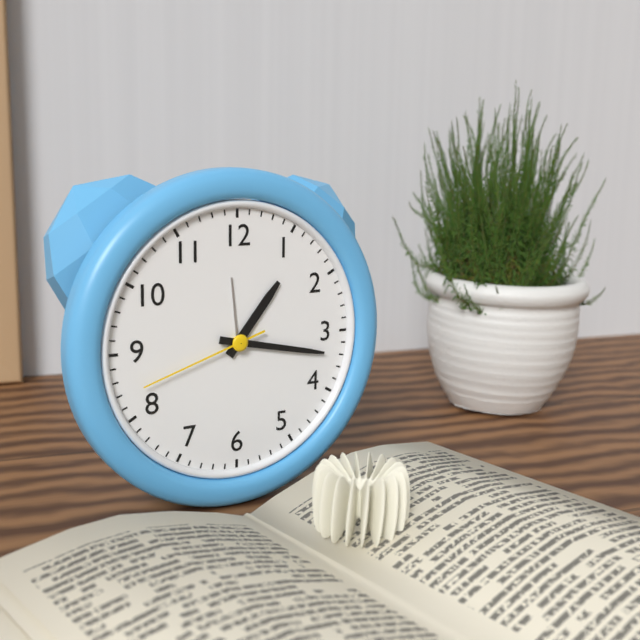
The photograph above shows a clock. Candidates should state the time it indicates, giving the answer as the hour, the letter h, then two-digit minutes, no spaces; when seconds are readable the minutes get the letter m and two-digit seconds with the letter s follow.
1h17m42s
